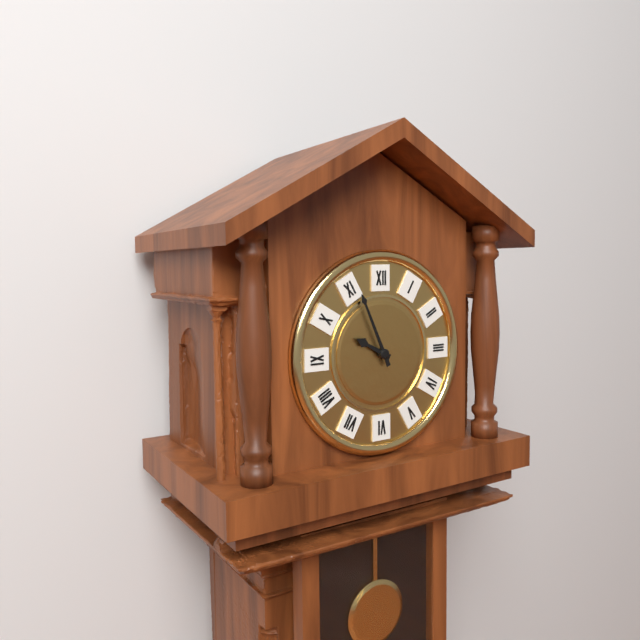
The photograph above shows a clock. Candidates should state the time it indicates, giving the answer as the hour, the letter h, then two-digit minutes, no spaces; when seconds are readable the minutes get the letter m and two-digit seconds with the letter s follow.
9h56
